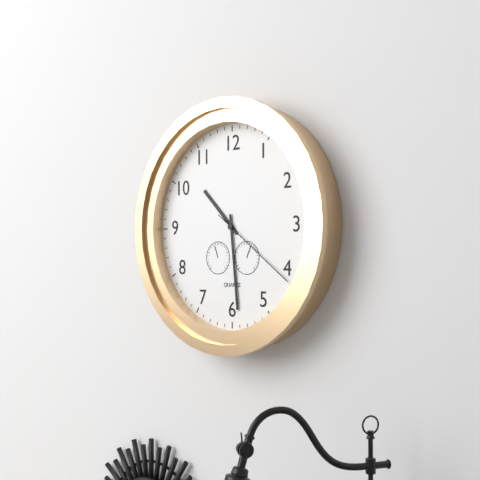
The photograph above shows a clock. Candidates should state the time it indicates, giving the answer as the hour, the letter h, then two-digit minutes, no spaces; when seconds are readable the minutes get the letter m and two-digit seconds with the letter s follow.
10h29m21s
